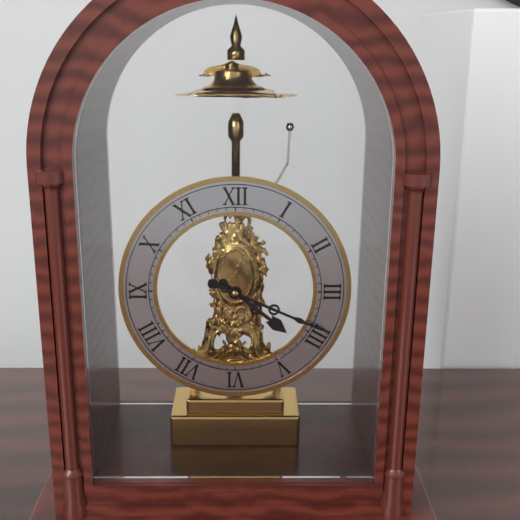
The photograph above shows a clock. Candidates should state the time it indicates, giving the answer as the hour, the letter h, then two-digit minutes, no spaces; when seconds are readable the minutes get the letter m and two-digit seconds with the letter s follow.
4h19
